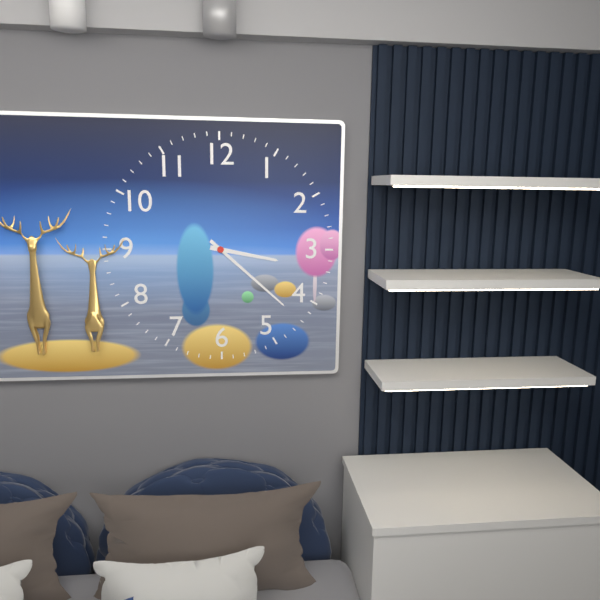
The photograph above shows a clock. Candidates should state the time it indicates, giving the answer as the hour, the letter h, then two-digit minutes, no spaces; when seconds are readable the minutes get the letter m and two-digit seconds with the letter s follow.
3h22
